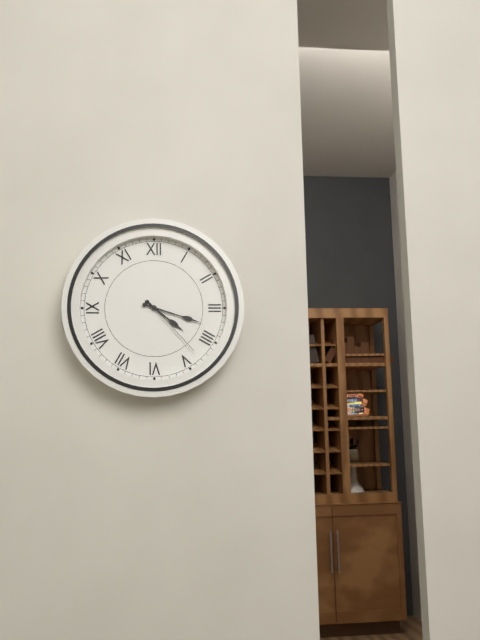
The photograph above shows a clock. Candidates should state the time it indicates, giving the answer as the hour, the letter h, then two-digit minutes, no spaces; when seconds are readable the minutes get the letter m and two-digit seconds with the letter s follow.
4h18m23s
